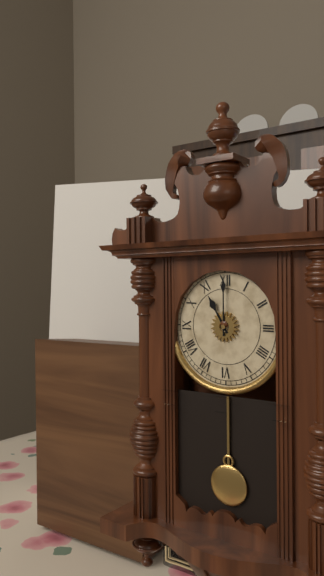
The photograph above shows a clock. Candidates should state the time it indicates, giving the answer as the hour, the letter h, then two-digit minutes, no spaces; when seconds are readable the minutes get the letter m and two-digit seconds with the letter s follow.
11h00
